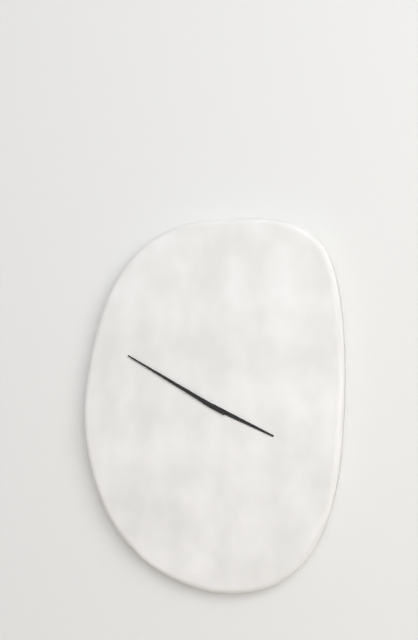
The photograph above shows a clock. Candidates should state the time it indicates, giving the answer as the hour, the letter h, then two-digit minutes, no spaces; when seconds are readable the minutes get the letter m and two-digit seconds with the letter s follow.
3h50
